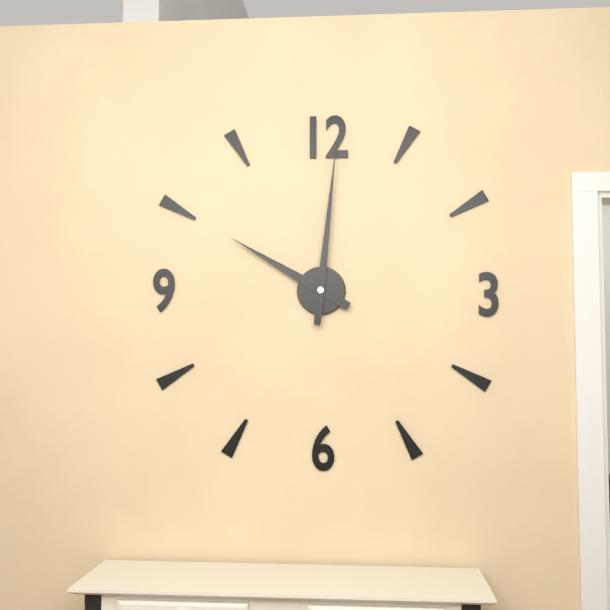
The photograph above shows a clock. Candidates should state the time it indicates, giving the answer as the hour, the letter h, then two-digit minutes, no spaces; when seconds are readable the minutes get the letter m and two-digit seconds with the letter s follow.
10h01
